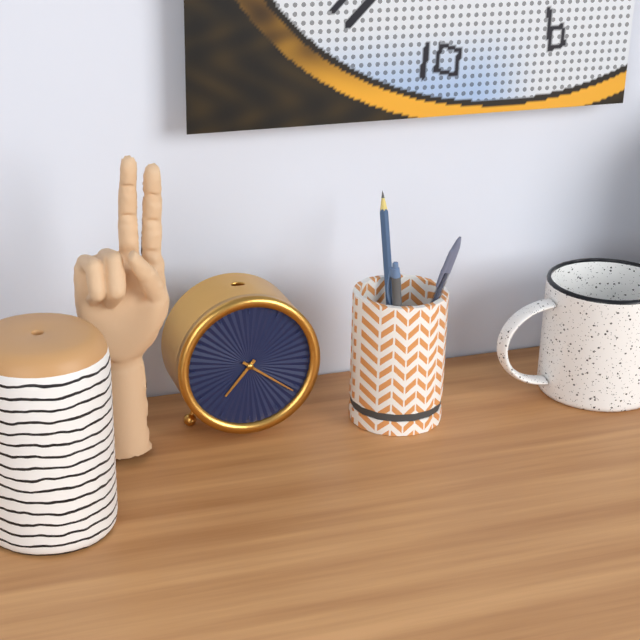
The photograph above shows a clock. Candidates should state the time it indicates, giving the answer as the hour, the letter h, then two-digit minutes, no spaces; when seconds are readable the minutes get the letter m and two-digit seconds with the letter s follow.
7h21
